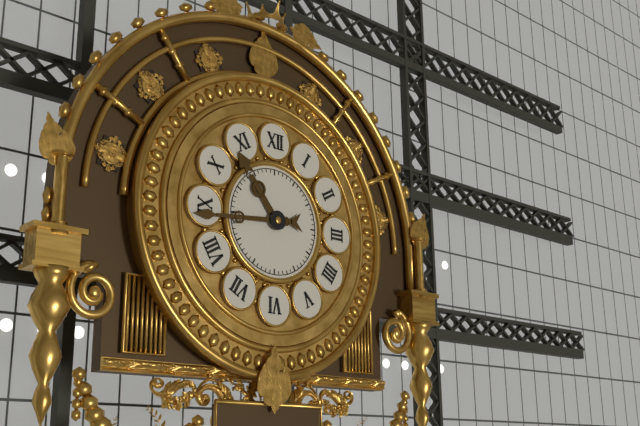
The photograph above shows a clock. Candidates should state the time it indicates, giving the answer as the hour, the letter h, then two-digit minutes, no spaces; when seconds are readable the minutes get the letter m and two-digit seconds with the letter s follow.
10h44
